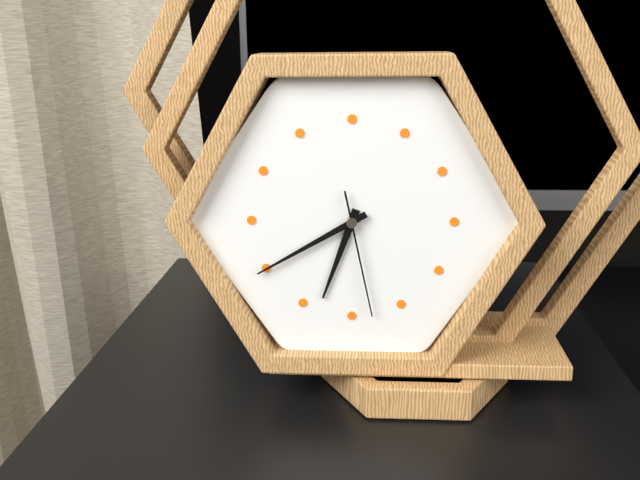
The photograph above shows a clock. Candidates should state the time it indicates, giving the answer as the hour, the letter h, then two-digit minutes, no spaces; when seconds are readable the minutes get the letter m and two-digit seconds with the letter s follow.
6h40m28s
